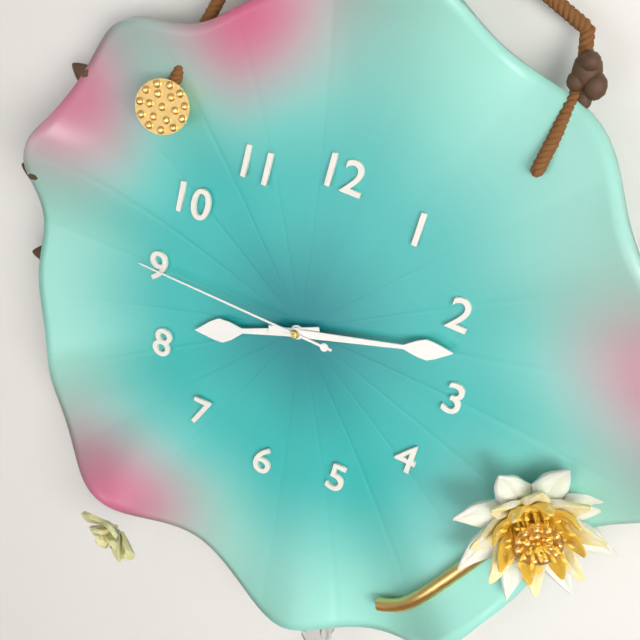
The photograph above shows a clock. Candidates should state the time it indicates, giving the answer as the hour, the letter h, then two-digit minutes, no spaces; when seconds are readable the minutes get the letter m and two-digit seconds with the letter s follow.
8h12m45s
